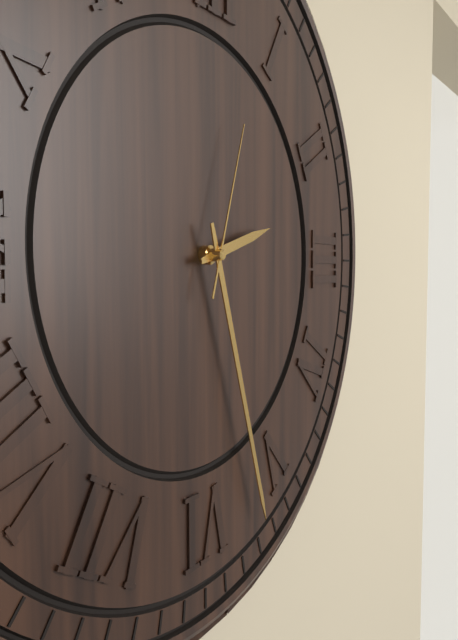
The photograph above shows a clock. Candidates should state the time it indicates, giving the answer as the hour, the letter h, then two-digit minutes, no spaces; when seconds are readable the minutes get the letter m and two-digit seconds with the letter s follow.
2h27m03s
